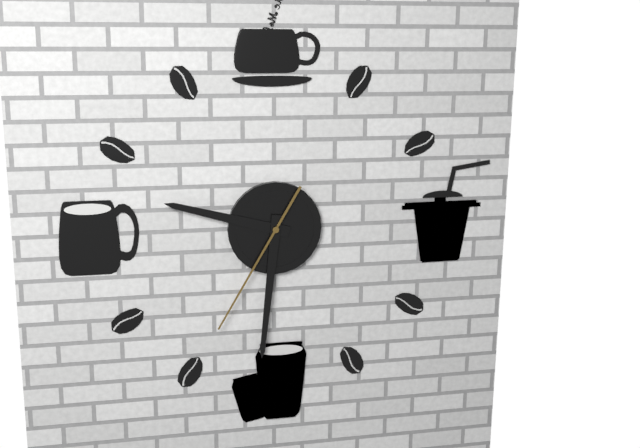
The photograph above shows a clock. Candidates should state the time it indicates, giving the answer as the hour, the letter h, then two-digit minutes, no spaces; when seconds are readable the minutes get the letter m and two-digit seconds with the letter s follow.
9h31m35s
